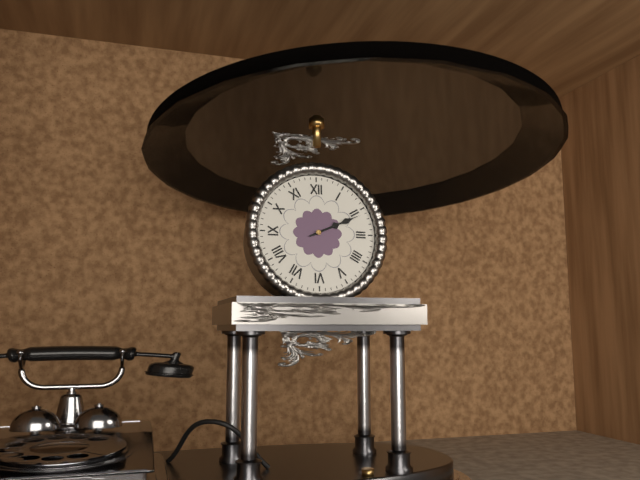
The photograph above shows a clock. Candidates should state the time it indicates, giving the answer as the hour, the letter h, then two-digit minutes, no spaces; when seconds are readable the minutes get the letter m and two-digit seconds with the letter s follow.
2h11
